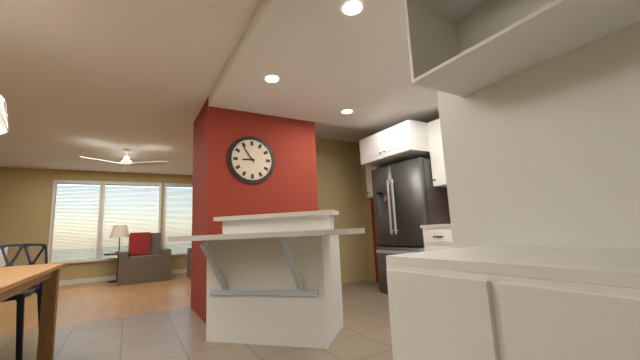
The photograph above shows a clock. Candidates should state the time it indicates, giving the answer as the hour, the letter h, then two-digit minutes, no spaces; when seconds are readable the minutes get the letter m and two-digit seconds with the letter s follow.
8h54
